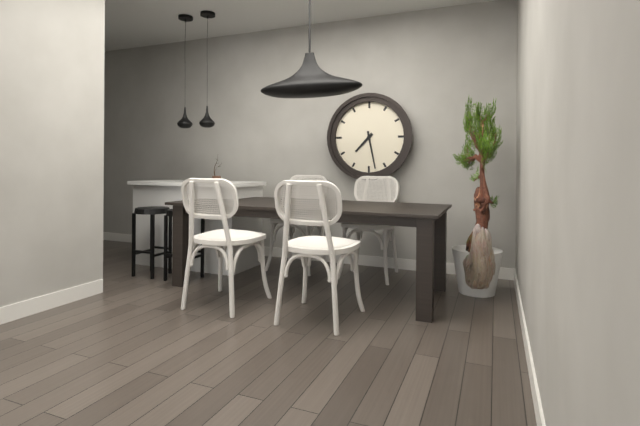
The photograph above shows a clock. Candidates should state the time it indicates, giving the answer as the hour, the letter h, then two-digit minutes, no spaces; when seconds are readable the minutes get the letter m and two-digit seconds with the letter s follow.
7h28
